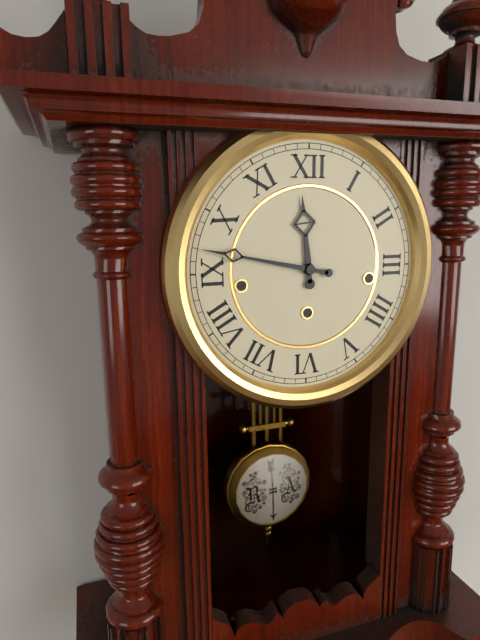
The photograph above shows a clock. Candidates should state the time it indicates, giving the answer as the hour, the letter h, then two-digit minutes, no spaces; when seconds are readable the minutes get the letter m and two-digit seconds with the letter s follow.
11h47
